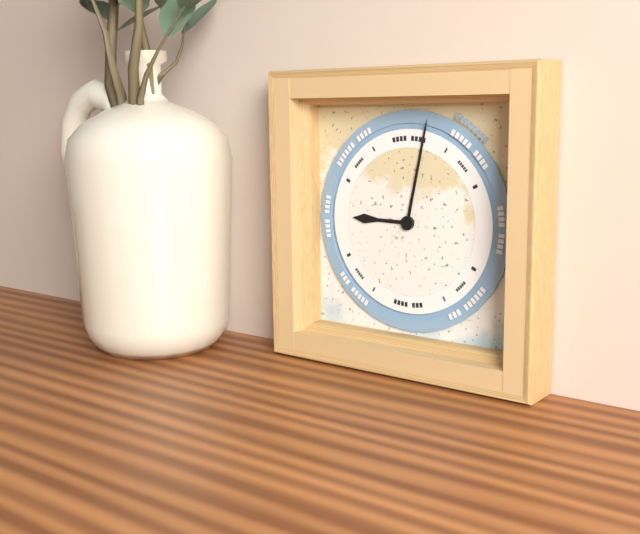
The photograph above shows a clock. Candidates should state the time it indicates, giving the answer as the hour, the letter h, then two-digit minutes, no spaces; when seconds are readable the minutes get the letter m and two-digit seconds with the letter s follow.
9h02
